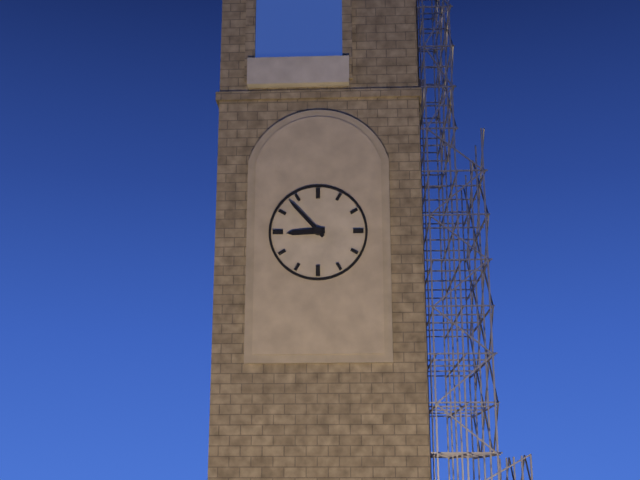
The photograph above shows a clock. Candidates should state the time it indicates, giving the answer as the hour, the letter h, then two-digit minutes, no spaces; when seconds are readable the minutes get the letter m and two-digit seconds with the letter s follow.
8h53
